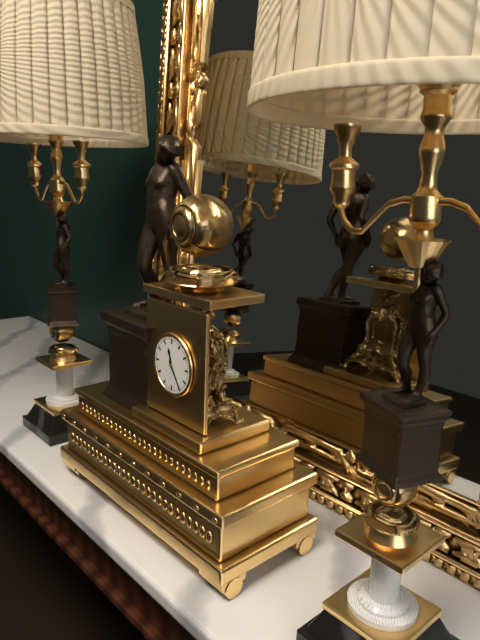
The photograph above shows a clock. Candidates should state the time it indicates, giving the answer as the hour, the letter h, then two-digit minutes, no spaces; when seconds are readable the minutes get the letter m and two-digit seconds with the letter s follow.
11h24
